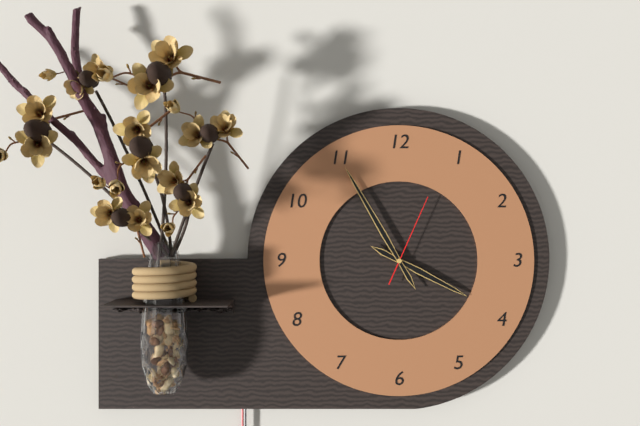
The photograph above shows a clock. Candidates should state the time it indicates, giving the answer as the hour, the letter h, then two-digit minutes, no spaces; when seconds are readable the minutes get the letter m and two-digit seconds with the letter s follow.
3h55m04s
